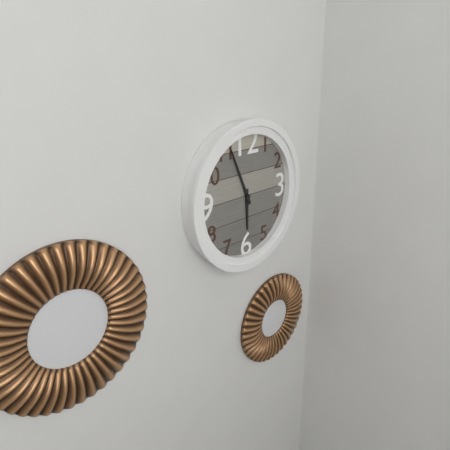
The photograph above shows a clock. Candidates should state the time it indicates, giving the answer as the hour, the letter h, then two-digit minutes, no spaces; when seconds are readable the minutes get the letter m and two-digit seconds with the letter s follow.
5h56
